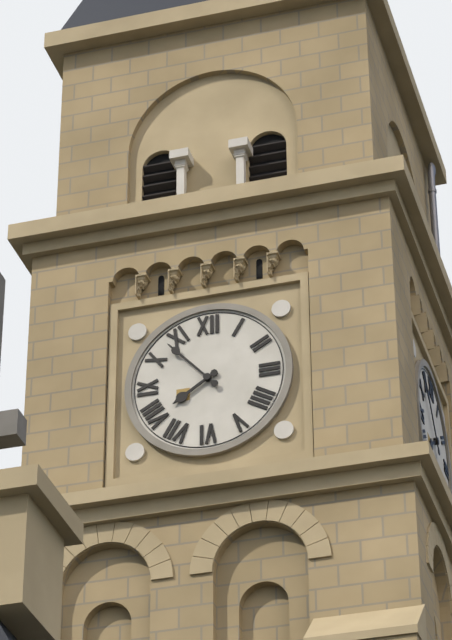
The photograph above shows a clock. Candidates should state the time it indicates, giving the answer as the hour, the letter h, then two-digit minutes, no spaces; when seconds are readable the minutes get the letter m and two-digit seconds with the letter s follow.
7h53
